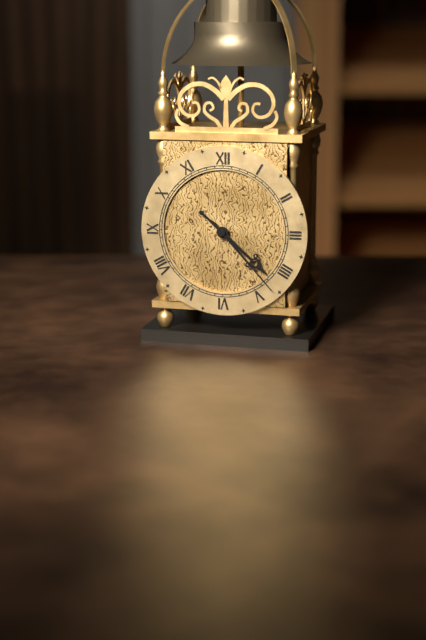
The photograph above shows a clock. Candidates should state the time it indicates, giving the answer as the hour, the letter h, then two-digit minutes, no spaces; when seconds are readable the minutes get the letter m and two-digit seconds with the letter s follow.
4h23
